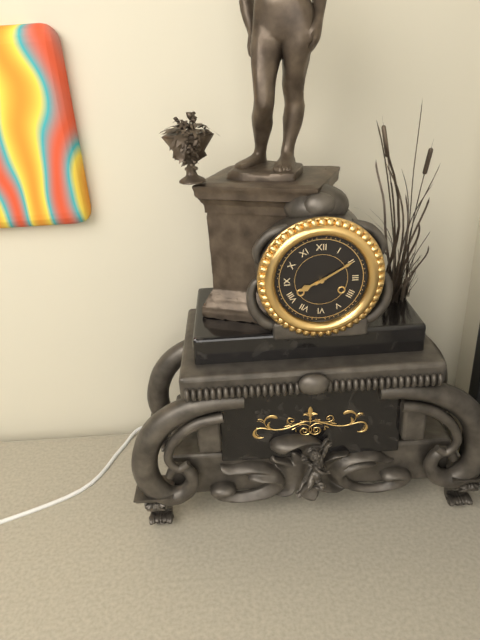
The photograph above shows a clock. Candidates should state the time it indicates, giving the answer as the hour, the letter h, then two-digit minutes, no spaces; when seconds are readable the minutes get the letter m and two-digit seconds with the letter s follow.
8h10
